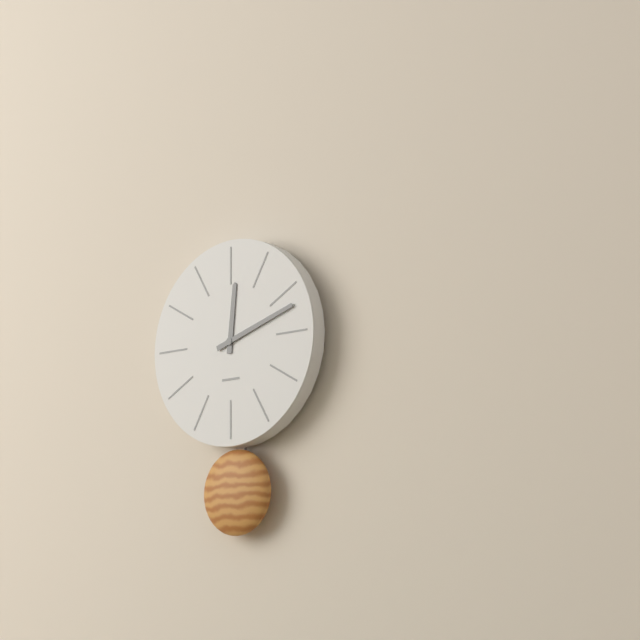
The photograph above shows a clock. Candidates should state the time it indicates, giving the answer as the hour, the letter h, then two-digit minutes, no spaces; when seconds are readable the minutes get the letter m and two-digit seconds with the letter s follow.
12h12
